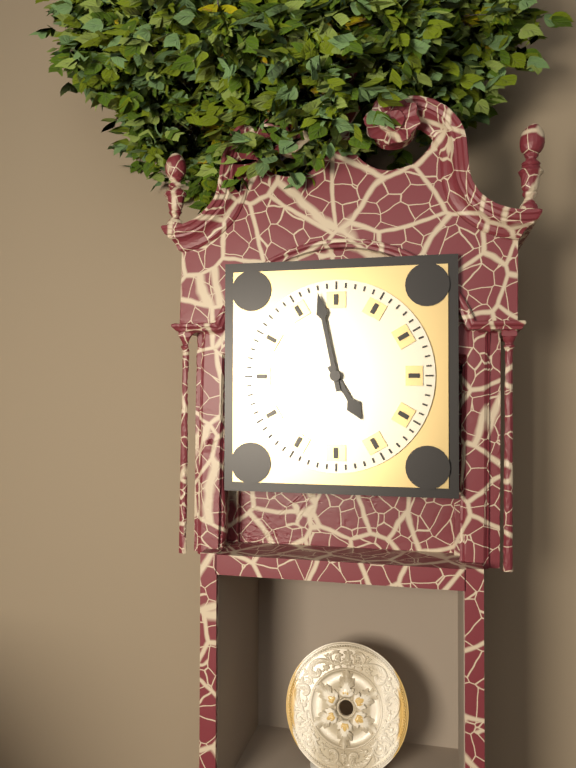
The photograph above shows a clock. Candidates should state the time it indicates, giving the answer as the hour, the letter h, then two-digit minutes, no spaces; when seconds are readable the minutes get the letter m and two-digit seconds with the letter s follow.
4h58
